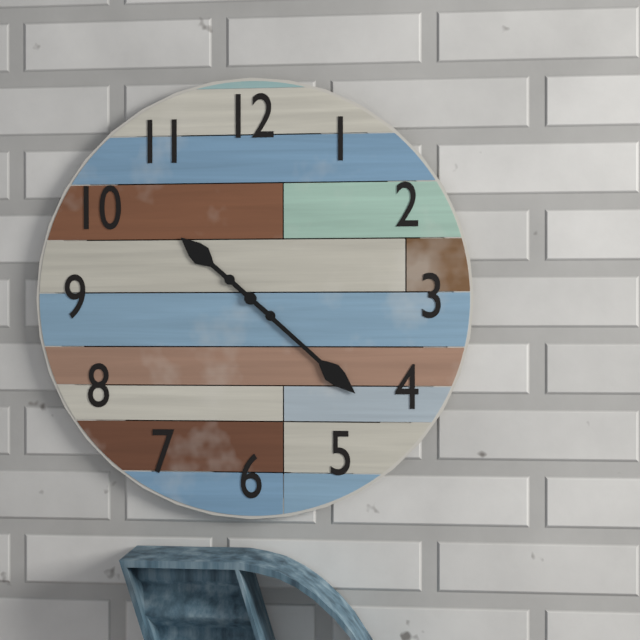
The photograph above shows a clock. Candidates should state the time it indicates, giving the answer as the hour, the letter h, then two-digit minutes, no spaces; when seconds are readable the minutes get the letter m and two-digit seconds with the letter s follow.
10h22
